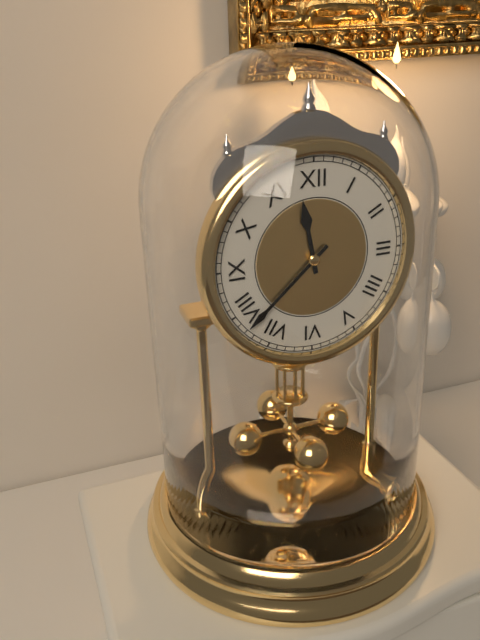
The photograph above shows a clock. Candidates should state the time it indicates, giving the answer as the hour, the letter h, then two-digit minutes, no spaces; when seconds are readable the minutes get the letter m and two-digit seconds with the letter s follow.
11h38
